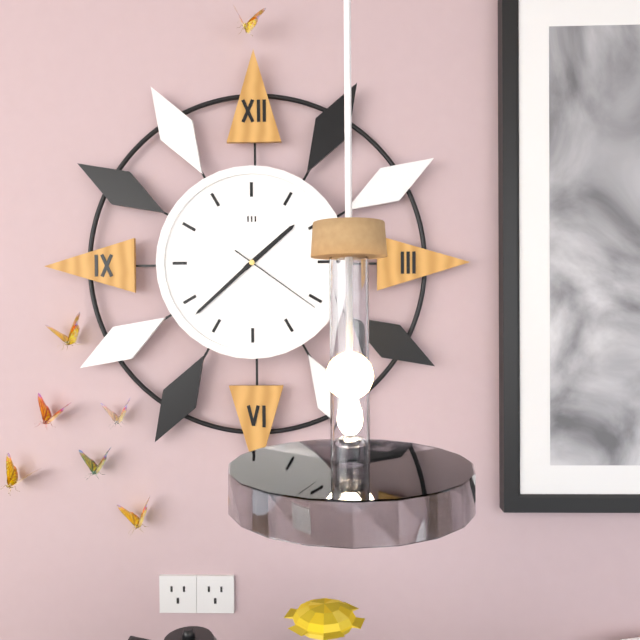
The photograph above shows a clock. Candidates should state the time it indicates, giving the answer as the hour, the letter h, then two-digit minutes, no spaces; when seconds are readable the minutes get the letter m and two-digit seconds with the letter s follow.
1h38m21s
